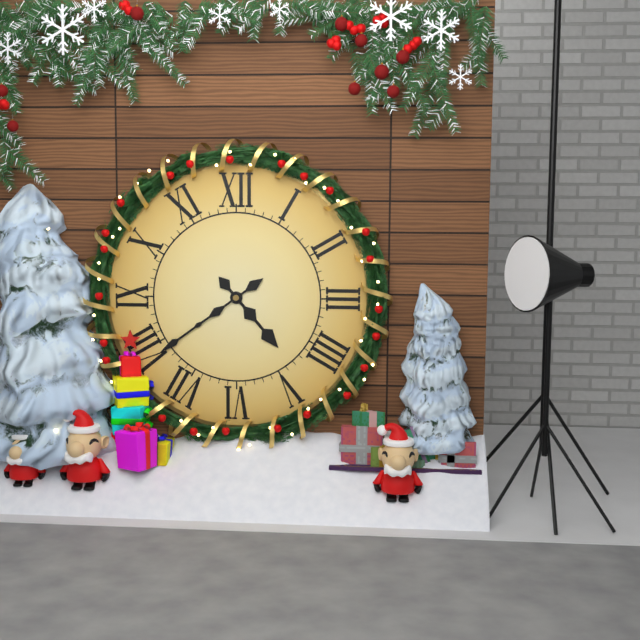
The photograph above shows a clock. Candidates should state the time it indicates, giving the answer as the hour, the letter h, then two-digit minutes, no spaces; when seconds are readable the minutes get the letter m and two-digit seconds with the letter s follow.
4h39
